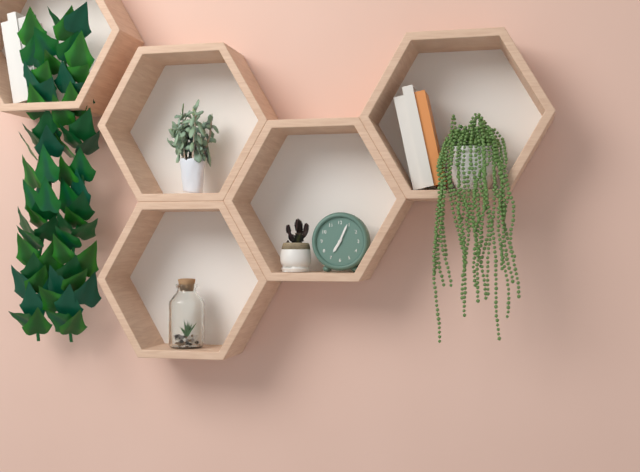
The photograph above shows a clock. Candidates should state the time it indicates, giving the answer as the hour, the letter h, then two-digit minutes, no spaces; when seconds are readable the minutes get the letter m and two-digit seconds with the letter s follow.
7h04
